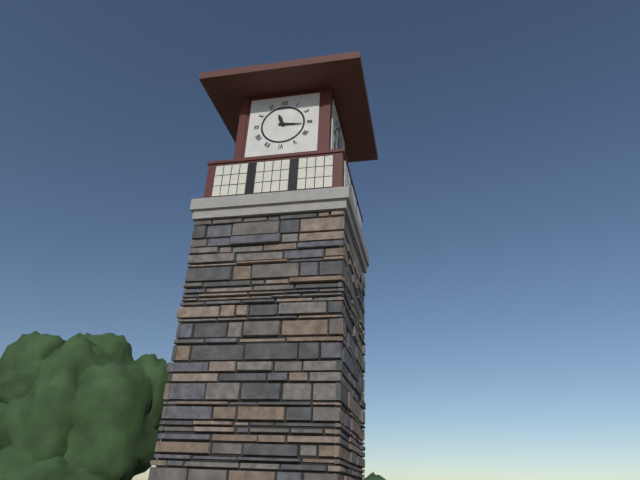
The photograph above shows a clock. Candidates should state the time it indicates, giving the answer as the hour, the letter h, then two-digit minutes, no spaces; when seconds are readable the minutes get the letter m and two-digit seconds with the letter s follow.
11h16
